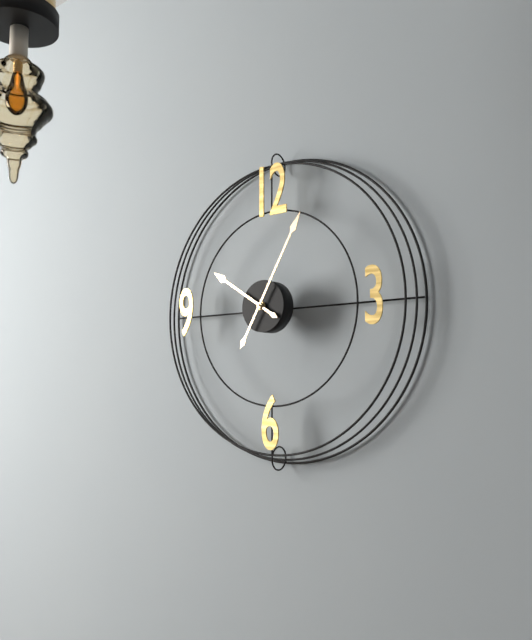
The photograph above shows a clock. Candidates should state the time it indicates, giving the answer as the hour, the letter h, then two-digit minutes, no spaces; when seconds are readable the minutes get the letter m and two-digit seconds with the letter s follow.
10h05
